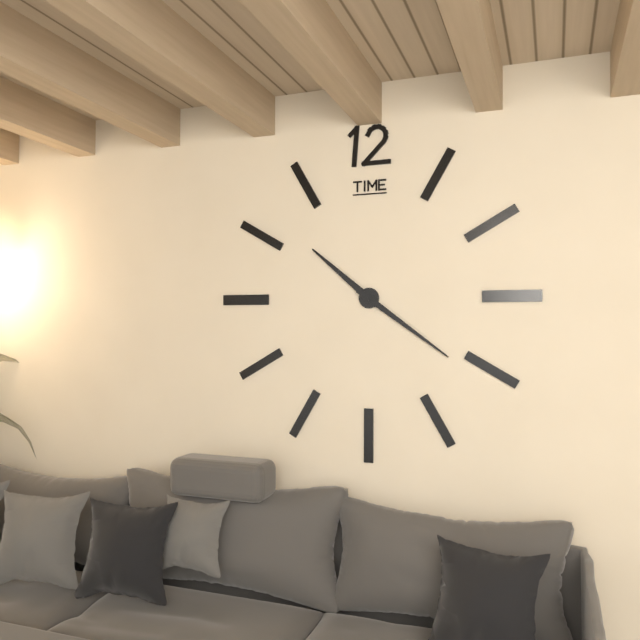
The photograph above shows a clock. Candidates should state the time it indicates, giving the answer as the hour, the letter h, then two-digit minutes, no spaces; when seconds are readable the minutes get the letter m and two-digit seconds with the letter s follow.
10h21
